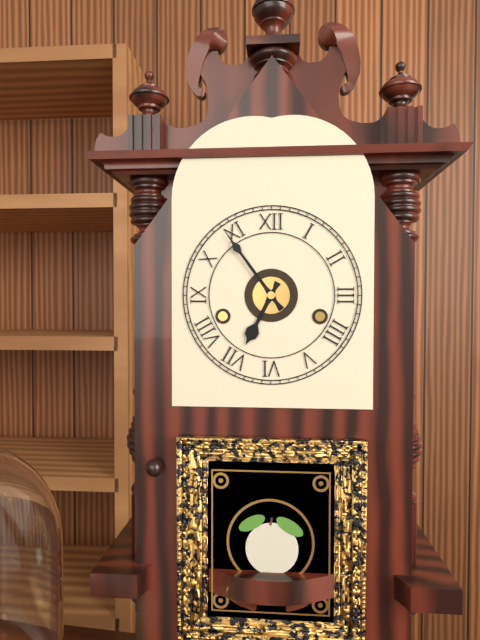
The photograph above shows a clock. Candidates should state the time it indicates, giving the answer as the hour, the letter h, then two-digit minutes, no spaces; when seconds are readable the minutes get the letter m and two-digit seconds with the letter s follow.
6h54
